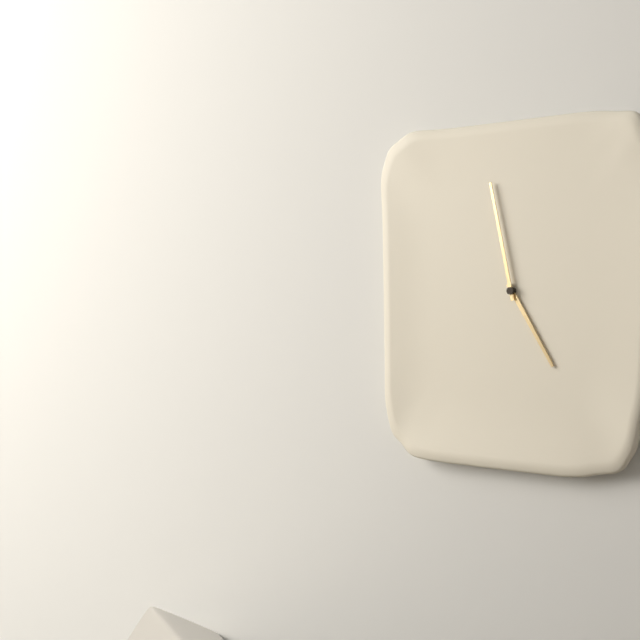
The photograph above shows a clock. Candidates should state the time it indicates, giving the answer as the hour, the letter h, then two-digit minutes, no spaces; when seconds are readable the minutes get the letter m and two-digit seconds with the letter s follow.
4h58
